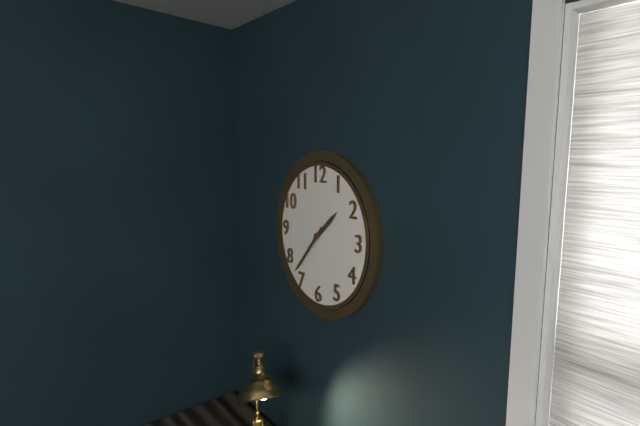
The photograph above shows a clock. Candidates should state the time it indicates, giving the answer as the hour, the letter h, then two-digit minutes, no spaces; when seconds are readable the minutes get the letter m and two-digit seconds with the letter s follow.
1h37
